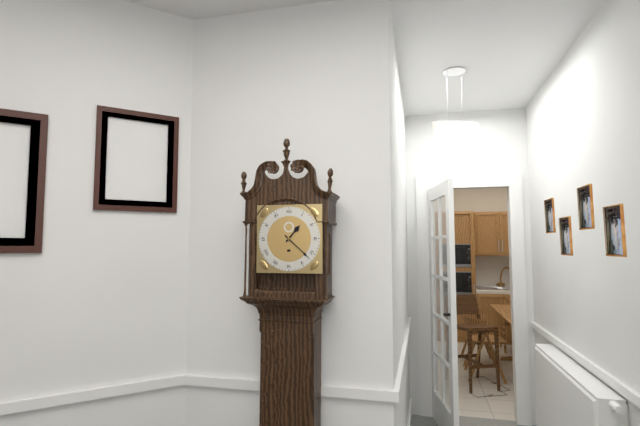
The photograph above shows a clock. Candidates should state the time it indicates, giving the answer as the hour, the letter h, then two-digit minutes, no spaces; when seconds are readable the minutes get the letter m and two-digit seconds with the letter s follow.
1h22
